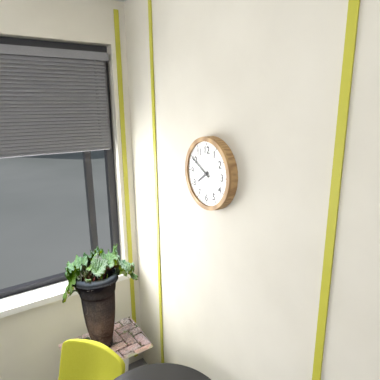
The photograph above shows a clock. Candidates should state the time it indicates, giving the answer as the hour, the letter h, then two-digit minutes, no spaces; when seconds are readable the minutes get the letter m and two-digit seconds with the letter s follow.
7h50
